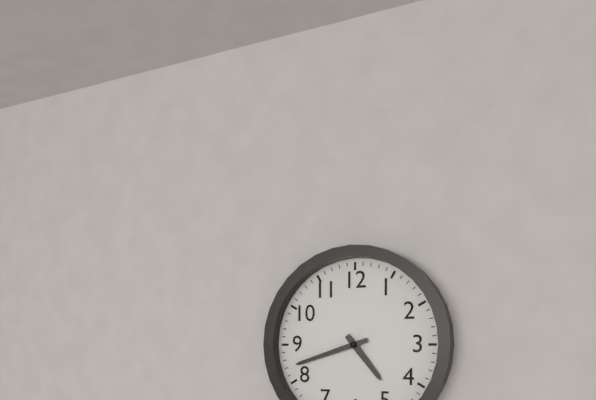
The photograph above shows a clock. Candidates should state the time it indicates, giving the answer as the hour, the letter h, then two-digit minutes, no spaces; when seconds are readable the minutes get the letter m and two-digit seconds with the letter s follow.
4h42
